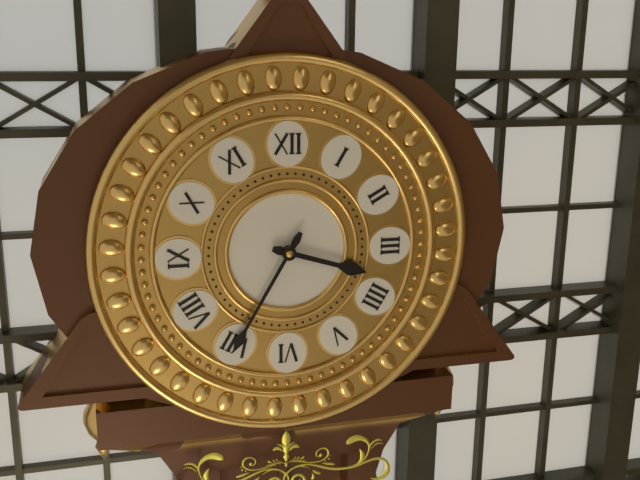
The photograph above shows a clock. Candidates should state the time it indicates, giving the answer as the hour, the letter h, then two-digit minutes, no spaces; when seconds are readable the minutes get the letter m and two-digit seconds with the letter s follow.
3h35
